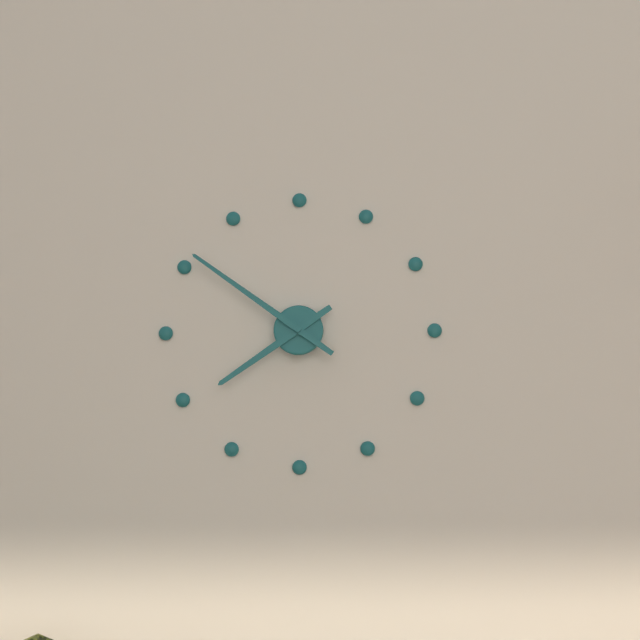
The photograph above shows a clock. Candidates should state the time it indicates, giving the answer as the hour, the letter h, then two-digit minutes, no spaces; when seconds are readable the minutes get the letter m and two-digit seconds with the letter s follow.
7h51
